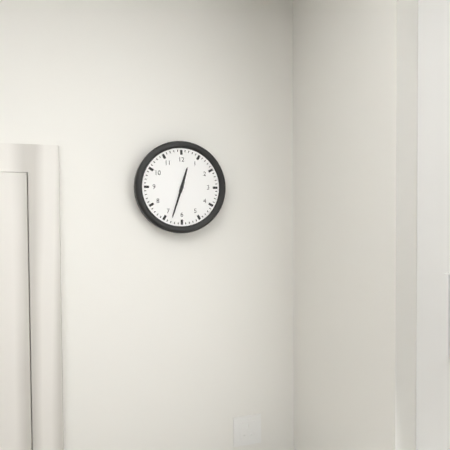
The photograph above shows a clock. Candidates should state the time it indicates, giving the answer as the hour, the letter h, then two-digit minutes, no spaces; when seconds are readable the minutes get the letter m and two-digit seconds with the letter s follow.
12h33
